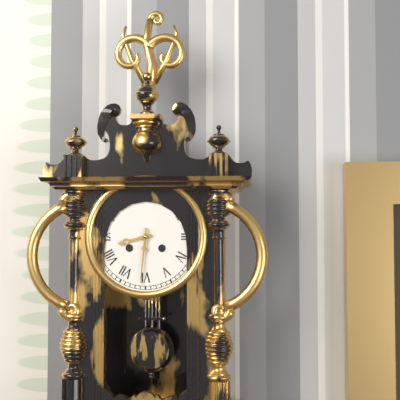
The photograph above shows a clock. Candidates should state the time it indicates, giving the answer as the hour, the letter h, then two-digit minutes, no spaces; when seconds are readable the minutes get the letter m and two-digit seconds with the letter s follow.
8h31
